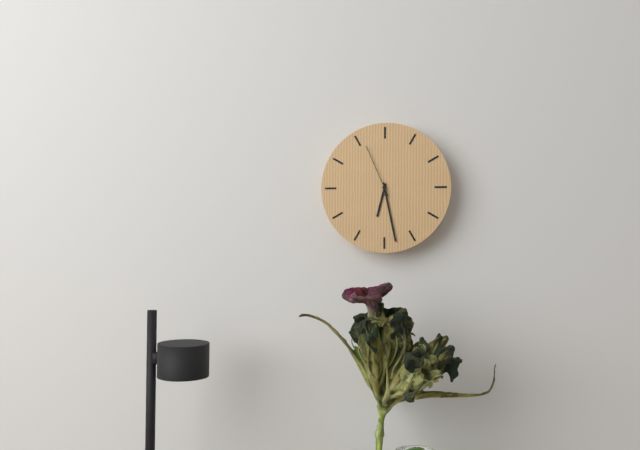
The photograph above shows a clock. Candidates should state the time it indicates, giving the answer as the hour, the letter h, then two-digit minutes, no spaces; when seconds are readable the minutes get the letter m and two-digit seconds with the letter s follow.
6h28m56s
